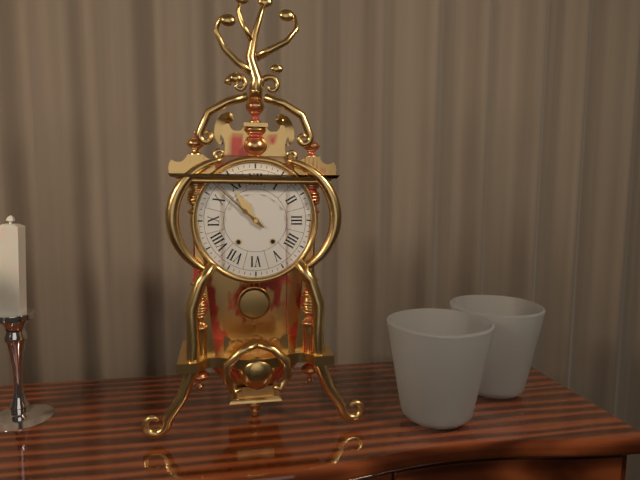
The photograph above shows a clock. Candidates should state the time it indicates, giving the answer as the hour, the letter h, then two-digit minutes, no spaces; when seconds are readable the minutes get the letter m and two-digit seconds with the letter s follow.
10h52
